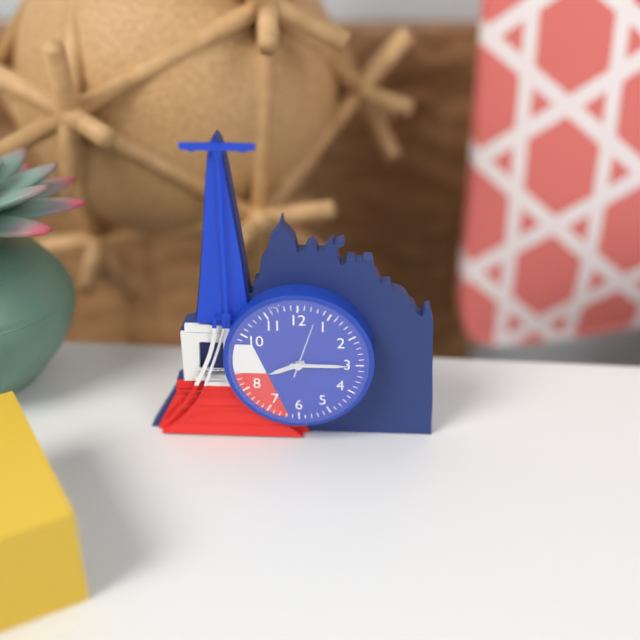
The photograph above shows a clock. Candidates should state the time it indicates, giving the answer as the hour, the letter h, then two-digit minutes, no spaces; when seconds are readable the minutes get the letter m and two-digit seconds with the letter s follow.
8h15m03s
